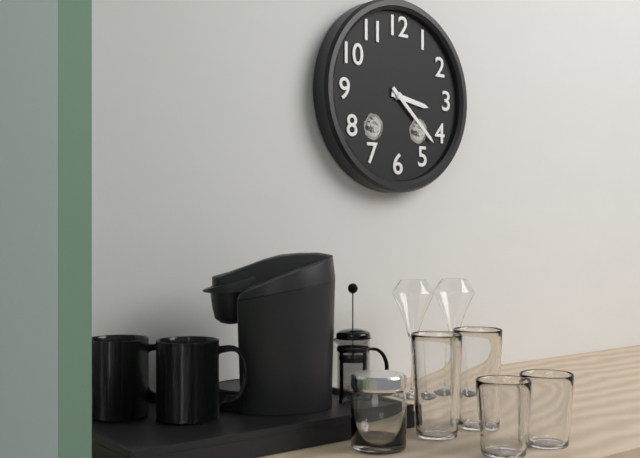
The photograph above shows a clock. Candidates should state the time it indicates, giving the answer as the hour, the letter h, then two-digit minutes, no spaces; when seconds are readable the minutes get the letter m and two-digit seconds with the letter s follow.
3h22
